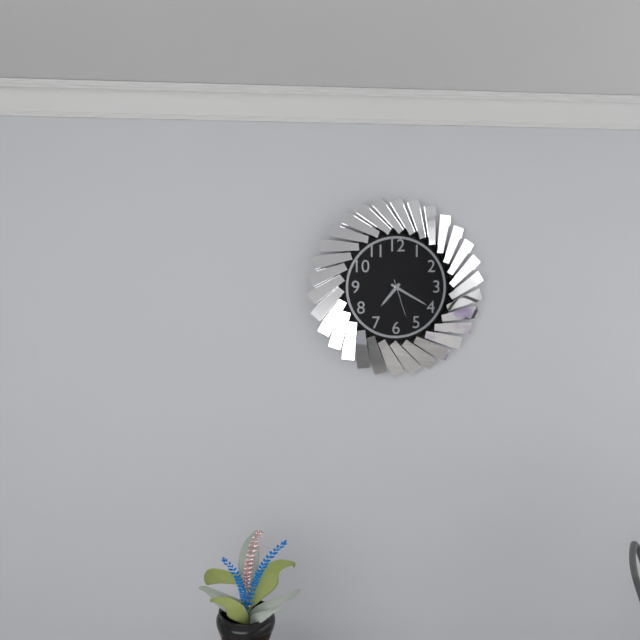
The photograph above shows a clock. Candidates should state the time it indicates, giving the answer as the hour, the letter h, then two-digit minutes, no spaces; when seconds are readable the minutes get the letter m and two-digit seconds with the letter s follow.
7h20
